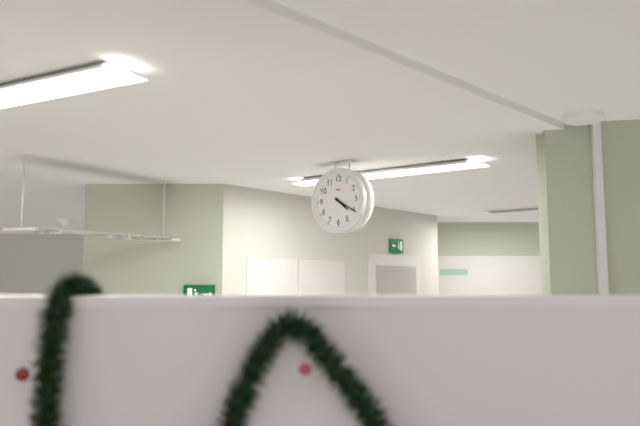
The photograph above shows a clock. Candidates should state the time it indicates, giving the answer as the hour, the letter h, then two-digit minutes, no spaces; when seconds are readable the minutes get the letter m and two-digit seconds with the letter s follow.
4h20
